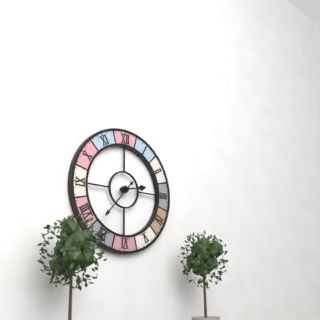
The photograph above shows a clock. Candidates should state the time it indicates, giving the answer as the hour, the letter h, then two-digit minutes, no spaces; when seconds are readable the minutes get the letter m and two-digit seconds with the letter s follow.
2h37
